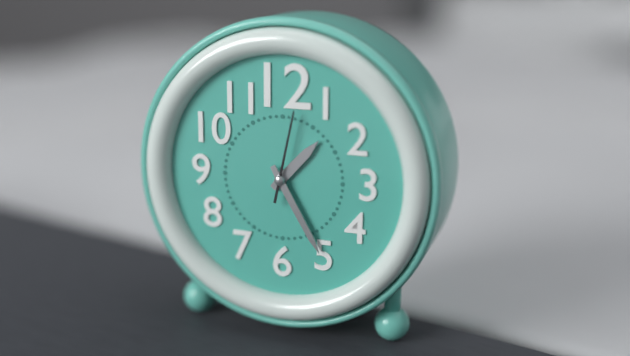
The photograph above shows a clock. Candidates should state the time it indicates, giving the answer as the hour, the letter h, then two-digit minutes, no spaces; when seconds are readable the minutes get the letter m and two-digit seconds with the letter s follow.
1h25m02s
